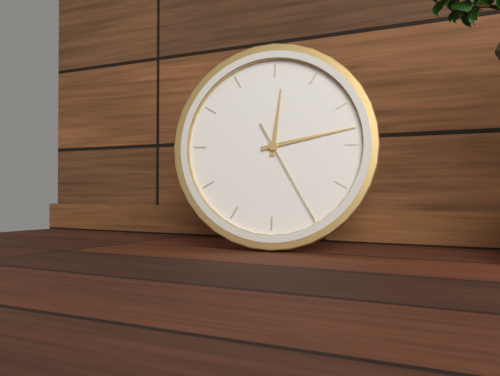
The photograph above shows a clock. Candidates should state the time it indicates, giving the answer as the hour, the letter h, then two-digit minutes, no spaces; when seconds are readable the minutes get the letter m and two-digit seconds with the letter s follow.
12h13m25s
